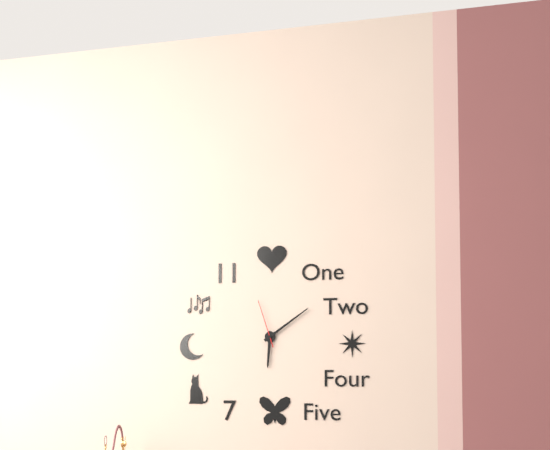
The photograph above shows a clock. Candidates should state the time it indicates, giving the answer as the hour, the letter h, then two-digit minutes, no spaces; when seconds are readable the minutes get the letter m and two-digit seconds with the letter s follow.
6h09
